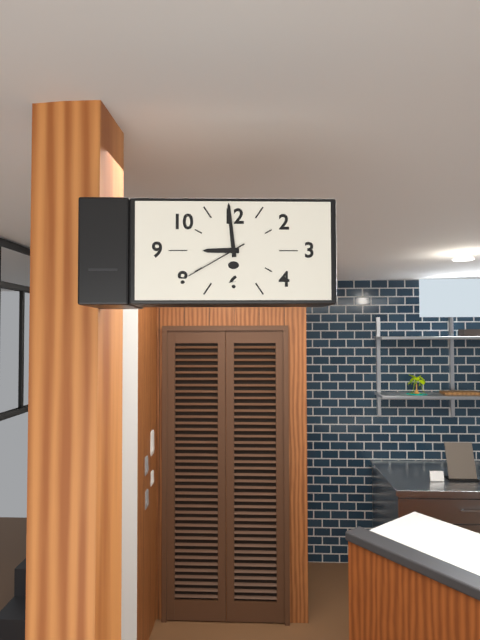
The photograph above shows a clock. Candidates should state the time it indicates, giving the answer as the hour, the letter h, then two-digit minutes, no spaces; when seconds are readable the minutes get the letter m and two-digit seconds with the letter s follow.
8h59m40s
